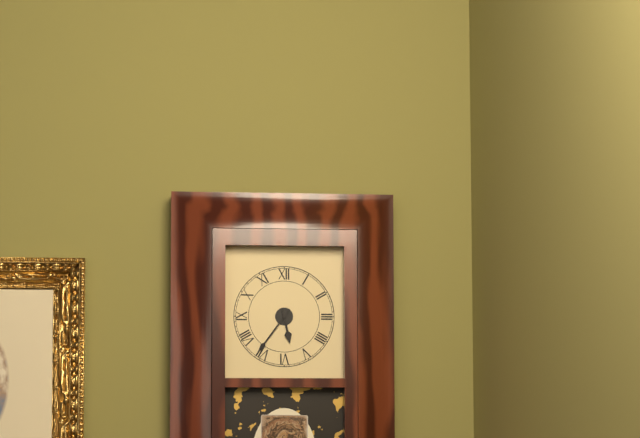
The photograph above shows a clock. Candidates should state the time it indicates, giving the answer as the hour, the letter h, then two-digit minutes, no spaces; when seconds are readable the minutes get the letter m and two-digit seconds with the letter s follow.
5h36
